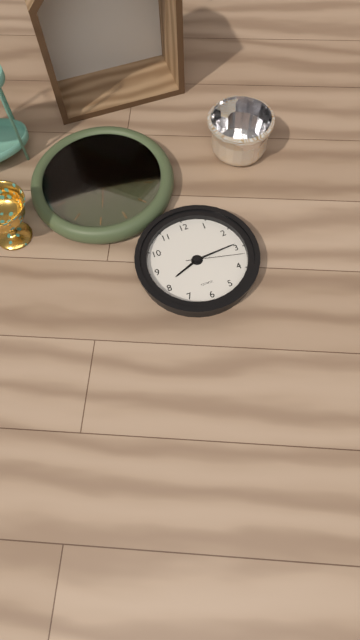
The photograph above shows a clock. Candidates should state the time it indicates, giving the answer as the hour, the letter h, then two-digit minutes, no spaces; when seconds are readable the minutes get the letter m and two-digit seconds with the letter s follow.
8h14m17s
